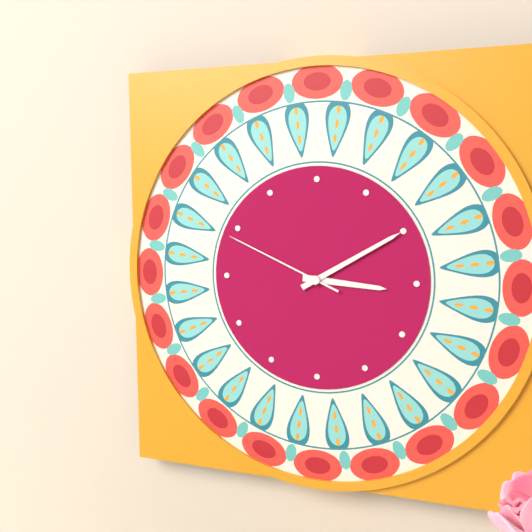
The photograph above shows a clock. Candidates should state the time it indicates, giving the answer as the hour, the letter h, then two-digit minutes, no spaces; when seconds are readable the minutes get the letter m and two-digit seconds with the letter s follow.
3h10m49s
